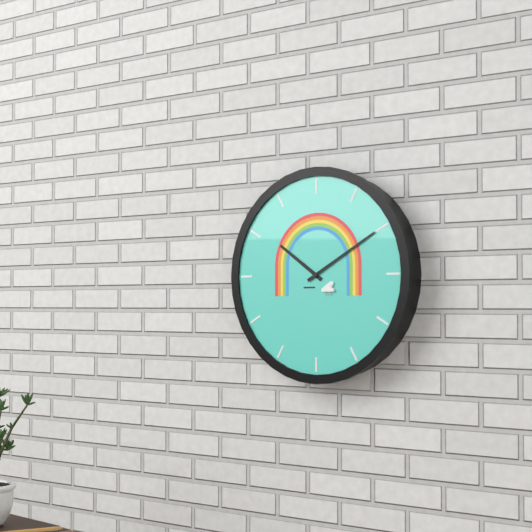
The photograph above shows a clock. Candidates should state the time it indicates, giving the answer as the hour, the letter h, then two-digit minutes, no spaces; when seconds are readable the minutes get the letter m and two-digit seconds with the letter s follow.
10h10
